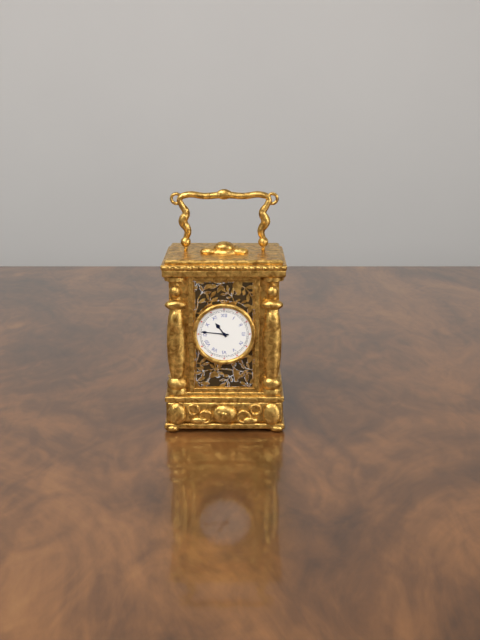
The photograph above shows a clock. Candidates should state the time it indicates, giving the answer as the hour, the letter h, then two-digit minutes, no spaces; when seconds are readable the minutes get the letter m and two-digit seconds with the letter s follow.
10h46
